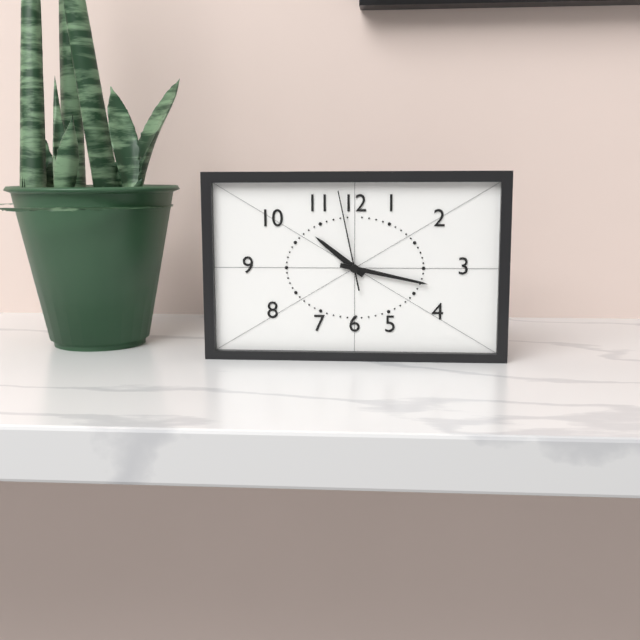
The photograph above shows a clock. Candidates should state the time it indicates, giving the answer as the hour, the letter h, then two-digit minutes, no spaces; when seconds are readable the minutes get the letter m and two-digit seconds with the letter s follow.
10h17m58s
